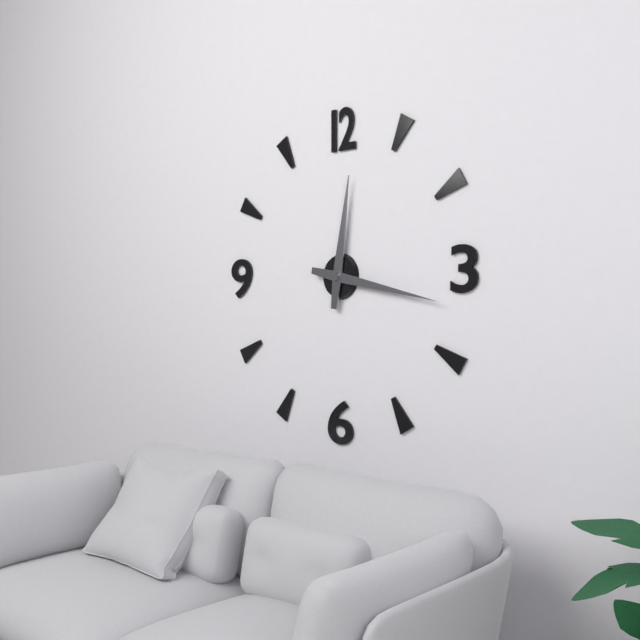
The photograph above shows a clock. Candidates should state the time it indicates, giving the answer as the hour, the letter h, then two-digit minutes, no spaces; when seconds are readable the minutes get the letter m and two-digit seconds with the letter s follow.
12h17
